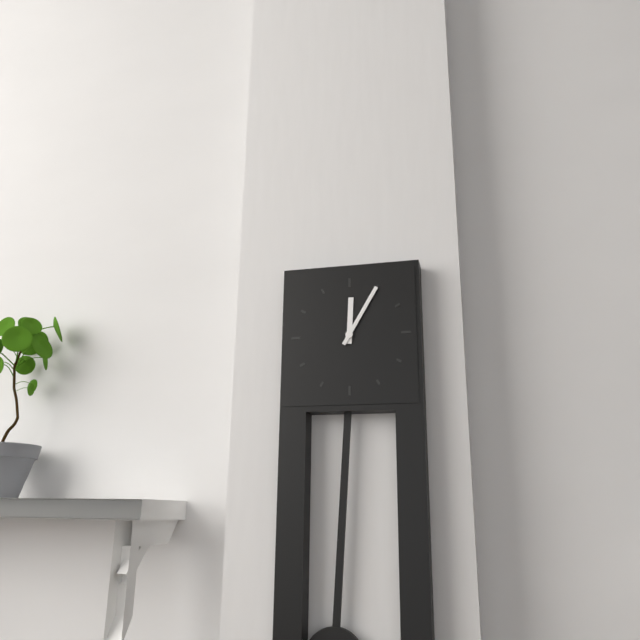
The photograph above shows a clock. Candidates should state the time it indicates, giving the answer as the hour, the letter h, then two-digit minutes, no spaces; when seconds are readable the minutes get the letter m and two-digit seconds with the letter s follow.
12h05
